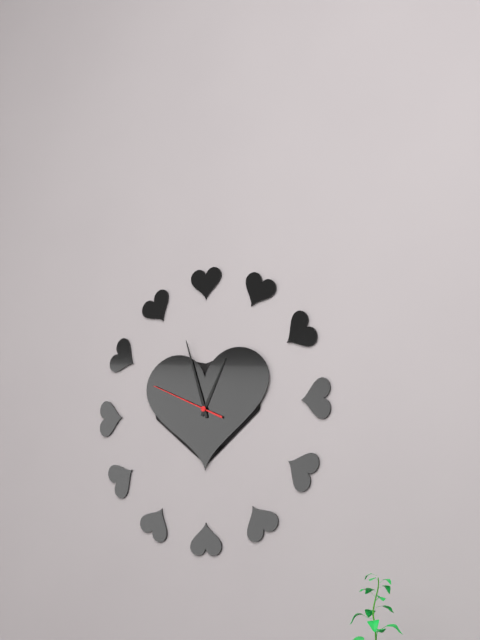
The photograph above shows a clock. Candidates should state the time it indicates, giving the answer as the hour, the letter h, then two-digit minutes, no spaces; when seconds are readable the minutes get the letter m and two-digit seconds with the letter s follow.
12h57m49s
